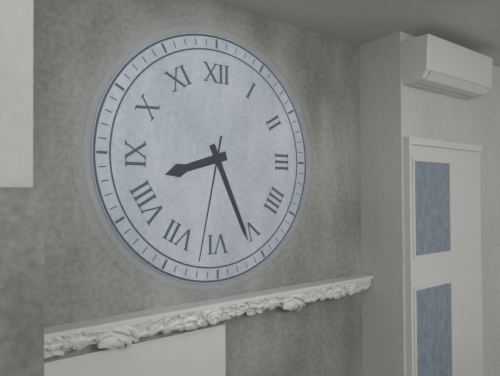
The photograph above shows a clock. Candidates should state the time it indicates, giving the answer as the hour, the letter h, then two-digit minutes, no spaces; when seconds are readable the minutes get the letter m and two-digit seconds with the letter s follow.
8h26m32s
